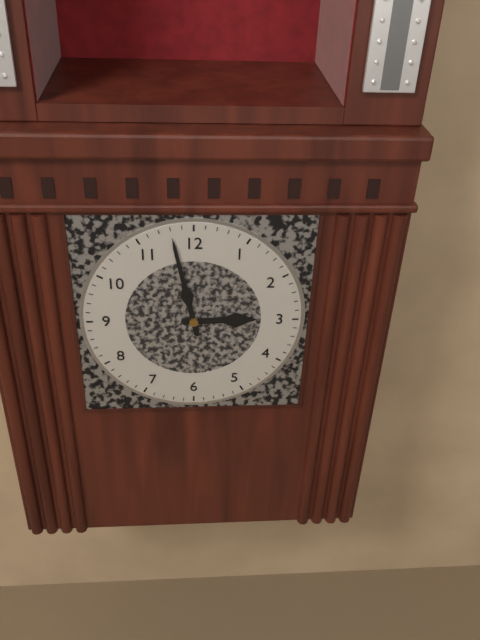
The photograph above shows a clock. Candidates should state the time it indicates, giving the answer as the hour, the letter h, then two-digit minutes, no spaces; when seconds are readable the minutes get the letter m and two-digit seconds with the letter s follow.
2h58
